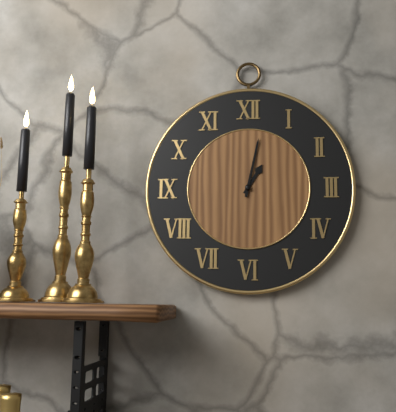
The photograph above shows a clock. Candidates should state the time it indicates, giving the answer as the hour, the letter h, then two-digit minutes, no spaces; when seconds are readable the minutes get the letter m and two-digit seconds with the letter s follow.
1h02
